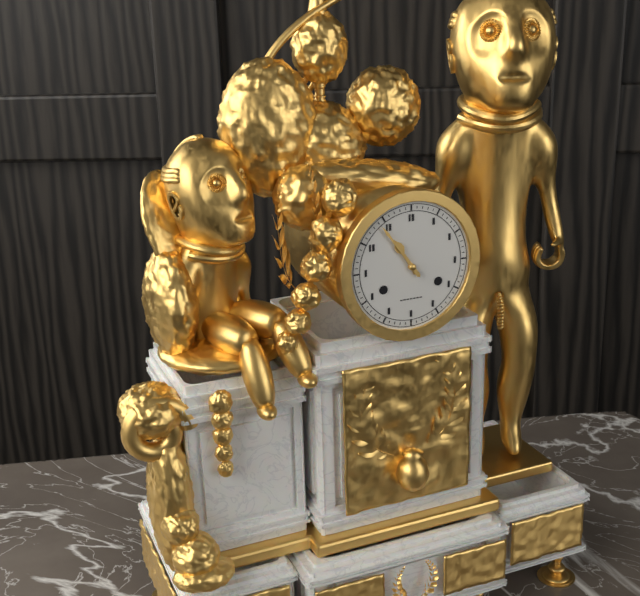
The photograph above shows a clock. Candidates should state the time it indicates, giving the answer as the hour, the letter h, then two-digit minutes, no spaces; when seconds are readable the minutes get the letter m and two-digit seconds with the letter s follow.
10h54
